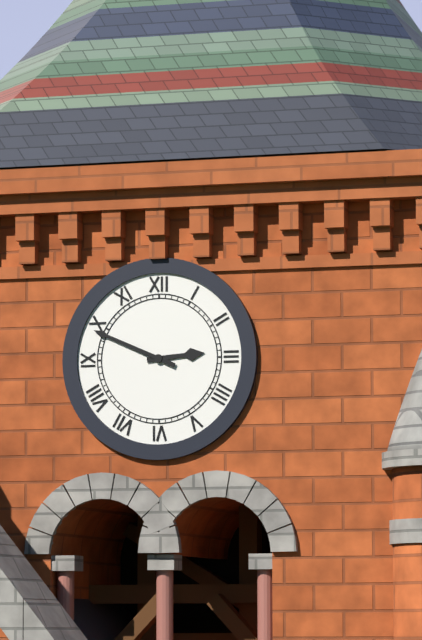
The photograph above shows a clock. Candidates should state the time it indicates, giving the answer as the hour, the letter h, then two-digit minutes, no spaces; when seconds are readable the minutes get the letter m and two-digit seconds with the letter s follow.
2h49
